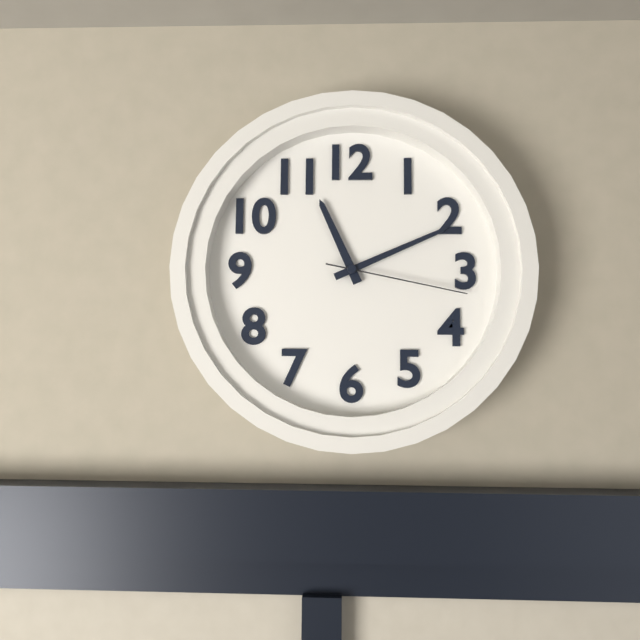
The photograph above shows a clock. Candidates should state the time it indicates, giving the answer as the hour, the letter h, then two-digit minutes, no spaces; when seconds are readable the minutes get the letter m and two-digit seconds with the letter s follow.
11h11m17s
